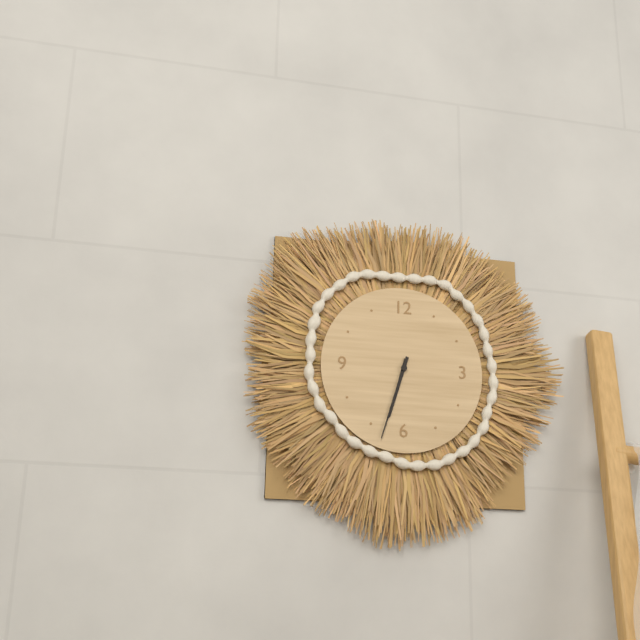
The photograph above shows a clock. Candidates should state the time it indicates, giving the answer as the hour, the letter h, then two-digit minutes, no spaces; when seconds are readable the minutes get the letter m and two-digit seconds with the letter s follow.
6h33
